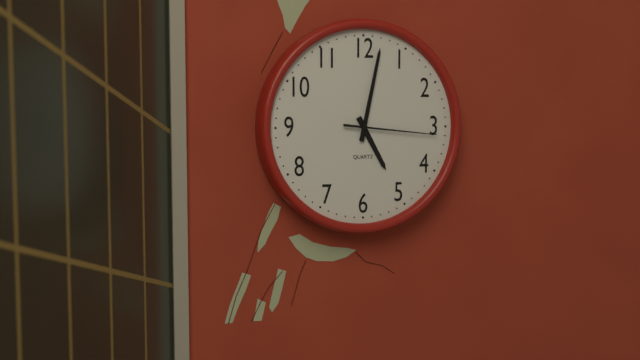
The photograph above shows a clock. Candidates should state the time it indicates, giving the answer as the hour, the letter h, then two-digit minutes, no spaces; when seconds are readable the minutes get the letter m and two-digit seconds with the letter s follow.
5h02m16s
